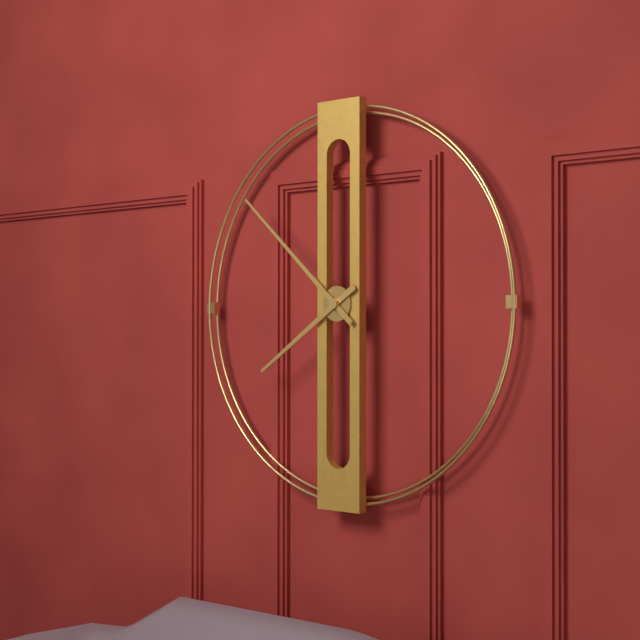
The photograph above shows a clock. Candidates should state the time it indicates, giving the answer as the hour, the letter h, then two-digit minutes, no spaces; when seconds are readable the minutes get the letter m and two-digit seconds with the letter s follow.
7h52
